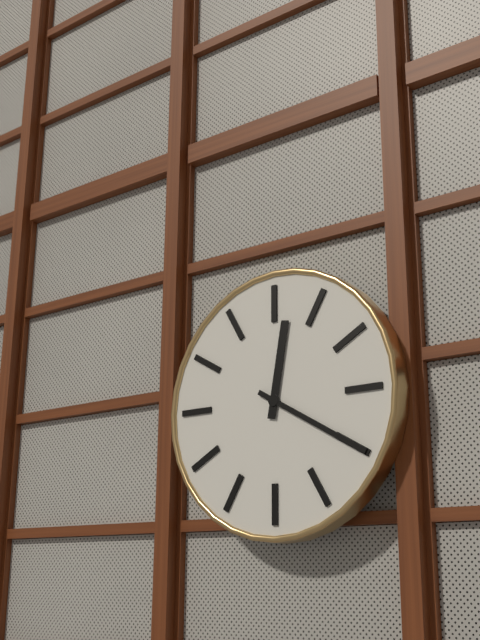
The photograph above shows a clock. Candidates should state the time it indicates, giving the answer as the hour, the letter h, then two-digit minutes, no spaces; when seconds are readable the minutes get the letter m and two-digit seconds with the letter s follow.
12h20
